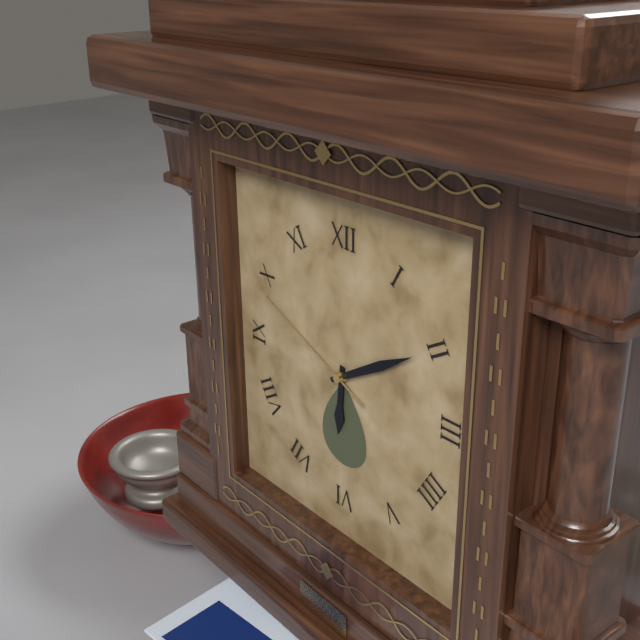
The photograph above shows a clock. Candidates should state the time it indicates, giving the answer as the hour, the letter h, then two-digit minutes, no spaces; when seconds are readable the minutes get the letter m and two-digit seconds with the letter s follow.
6h10m49s
